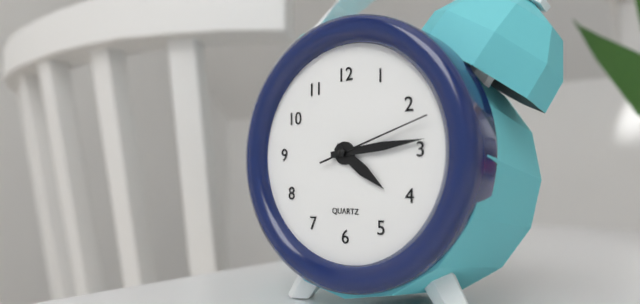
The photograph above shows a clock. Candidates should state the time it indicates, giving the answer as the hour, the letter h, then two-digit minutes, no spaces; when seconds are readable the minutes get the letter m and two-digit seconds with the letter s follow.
4h14m12s
